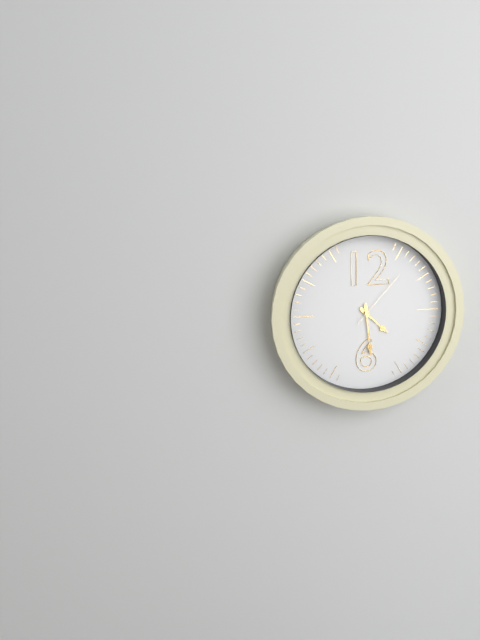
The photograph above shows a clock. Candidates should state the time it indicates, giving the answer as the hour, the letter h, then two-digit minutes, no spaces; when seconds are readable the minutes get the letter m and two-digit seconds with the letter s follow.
4h29m07s
